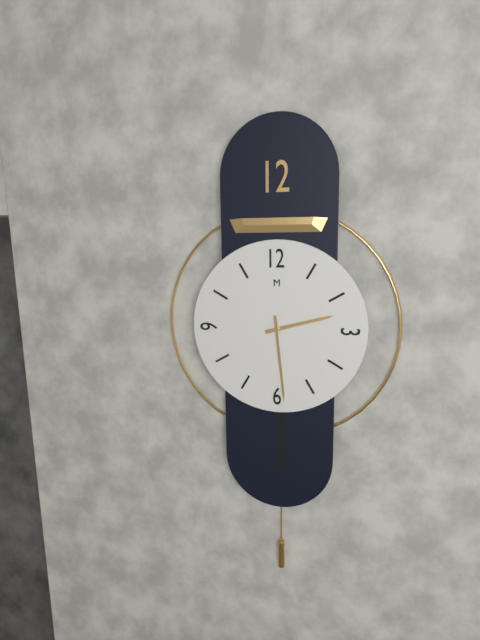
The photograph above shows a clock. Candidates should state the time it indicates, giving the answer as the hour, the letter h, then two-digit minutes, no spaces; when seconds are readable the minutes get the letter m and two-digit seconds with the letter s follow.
2h29
